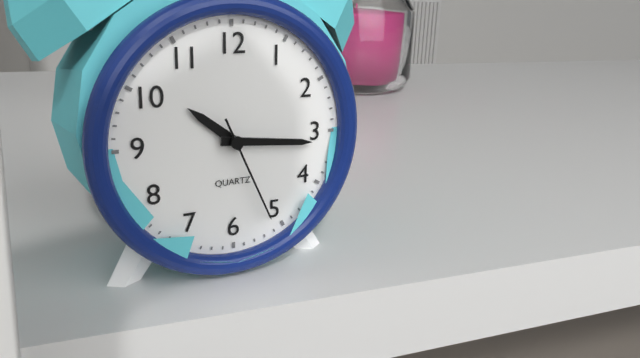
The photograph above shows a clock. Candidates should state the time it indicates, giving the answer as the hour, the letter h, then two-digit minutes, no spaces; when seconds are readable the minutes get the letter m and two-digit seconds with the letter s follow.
10h16m26s
